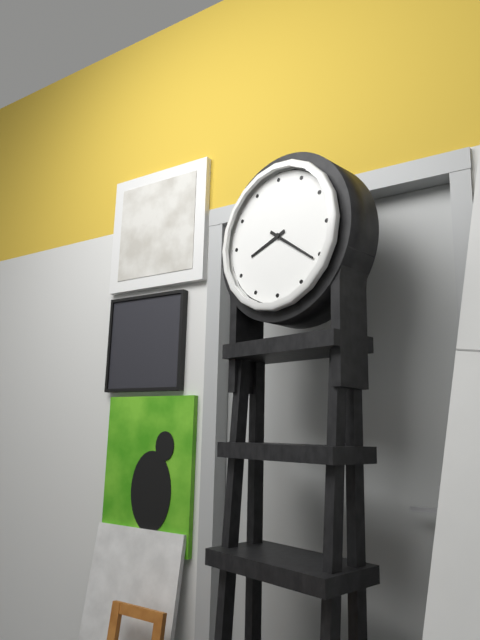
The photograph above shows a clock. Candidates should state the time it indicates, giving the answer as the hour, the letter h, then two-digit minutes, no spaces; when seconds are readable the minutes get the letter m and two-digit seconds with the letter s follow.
8h21
